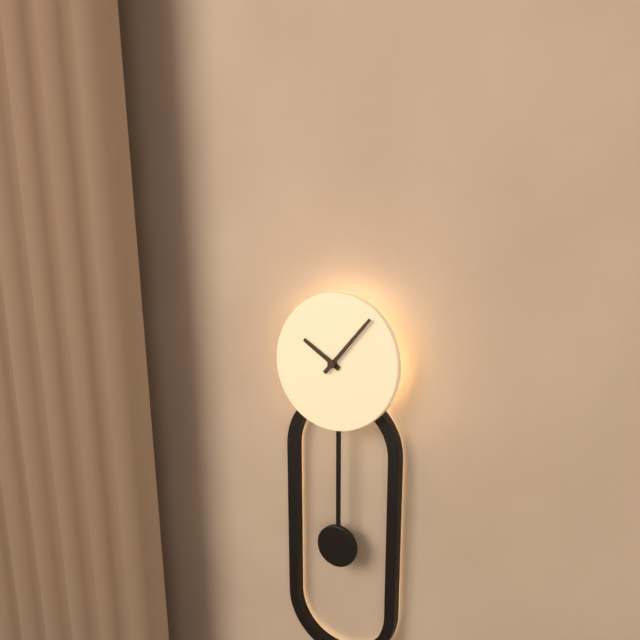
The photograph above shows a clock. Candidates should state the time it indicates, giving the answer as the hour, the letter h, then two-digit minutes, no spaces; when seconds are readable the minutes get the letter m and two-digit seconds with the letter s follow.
10h07
